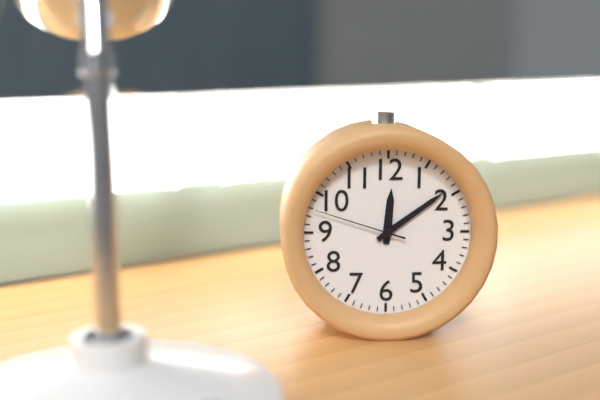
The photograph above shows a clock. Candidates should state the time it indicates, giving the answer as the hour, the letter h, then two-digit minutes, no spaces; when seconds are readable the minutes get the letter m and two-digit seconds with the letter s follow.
12h09m48s
